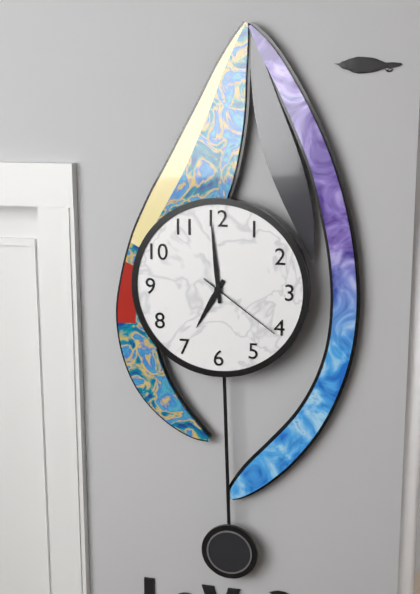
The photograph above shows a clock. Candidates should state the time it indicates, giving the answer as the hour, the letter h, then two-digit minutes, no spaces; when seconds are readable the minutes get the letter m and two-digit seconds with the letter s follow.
6h59m21s
